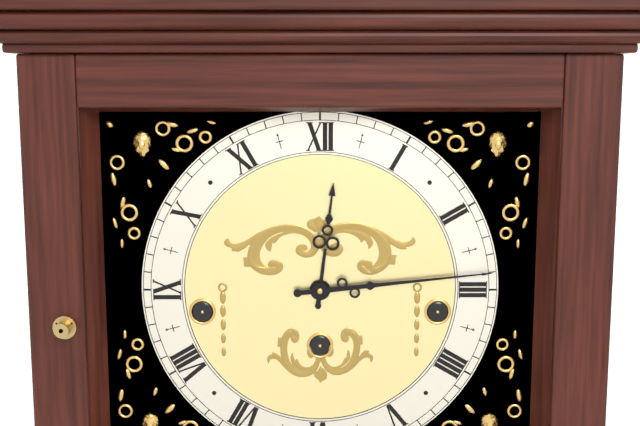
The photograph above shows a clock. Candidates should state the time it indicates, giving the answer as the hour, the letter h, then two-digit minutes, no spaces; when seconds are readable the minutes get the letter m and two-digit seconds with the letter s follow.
12h14
